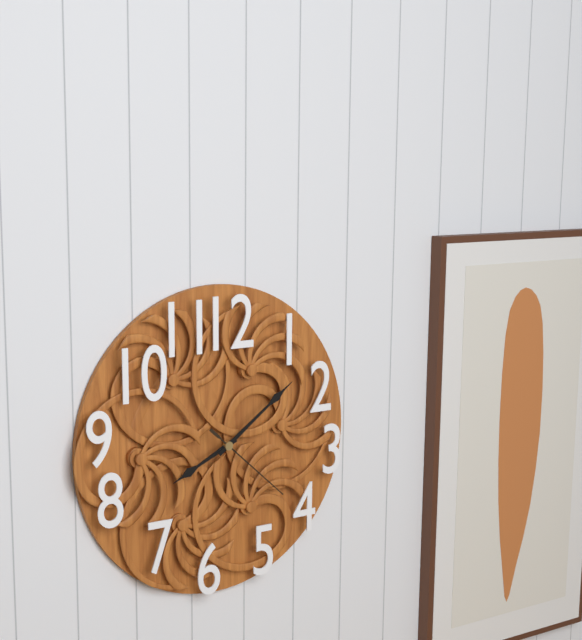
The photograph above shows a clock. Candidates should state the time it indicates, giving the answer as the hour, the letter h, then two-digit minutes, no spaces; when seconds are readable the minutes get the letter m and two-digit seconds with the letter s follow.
8h09m22s
